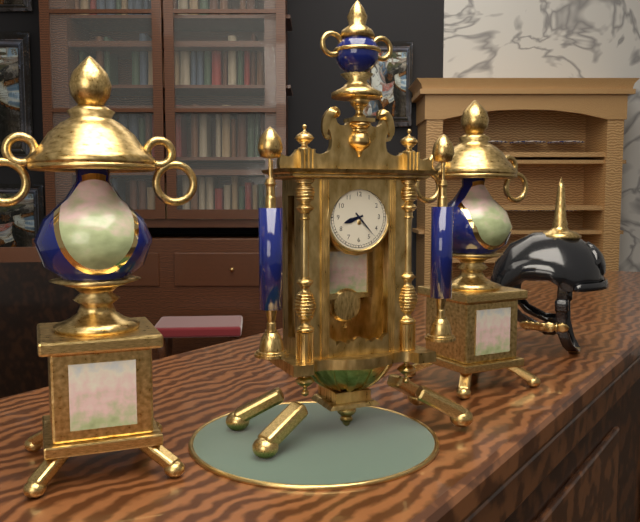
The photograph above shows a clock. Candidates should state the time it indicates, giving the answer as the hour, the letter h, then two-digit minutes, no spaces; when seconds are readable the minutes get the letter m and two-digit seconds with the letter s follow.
8h23
